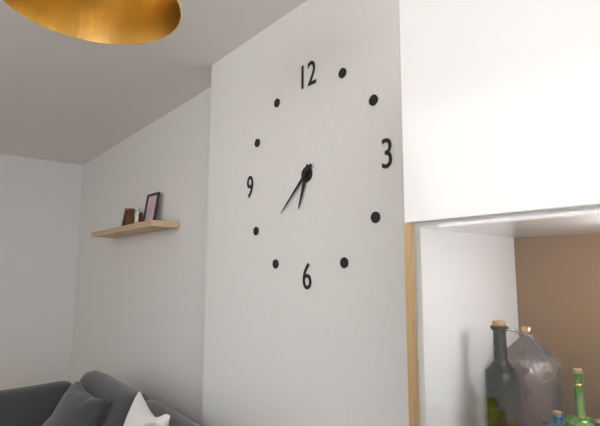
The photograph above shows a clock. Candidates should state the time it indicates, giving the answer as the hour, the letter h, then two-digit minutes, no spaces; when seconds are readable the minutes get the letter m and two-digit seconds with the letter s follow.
6h38
